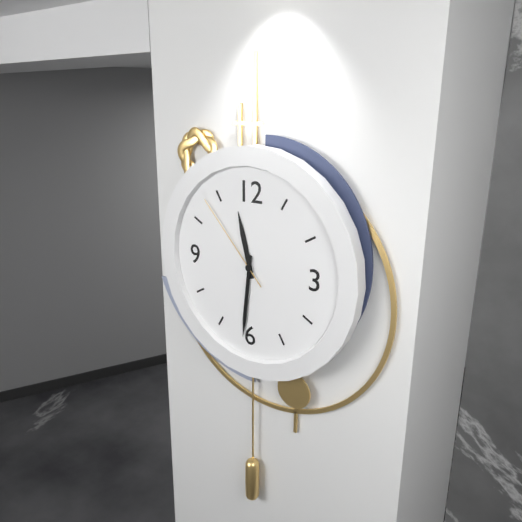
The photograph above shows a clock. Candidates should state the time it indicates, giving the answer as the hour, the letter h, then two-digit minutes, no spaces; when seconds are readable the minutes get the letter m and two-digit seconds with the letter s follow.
11h31m53s
